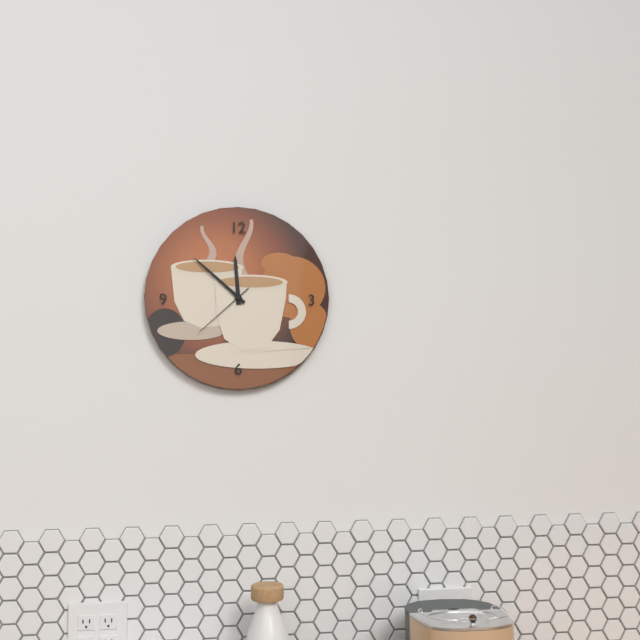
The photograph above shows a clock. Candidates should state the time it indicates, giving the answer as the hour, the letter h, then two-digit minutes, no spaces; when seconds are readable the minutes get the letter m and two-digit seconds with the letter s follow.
11h52m38s
